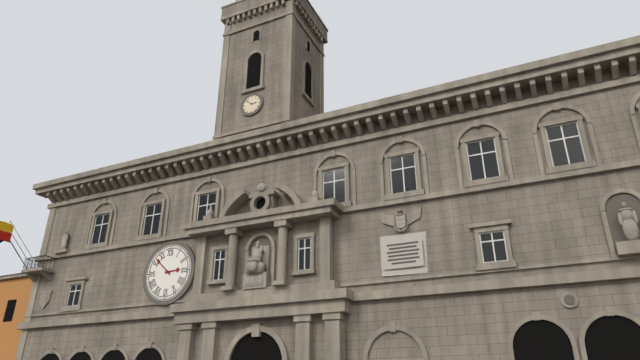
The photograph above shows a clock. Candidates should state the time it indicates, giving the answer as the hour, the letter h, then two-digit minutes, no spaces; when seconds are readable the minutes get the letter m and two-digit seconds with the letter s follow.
2h52
